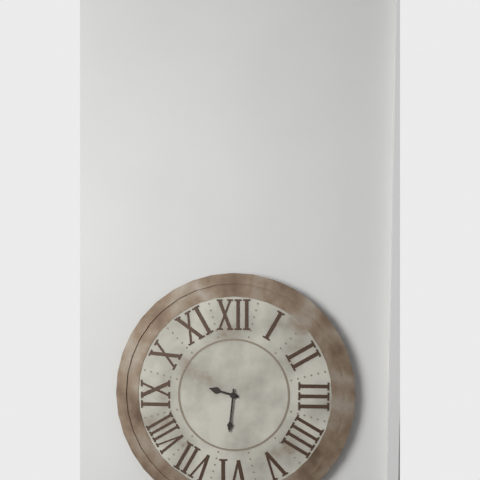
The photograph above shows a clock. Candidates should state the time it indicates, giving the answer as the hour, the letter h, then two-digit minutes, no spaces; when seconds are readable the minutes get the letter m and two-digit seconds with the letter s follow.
9h31
